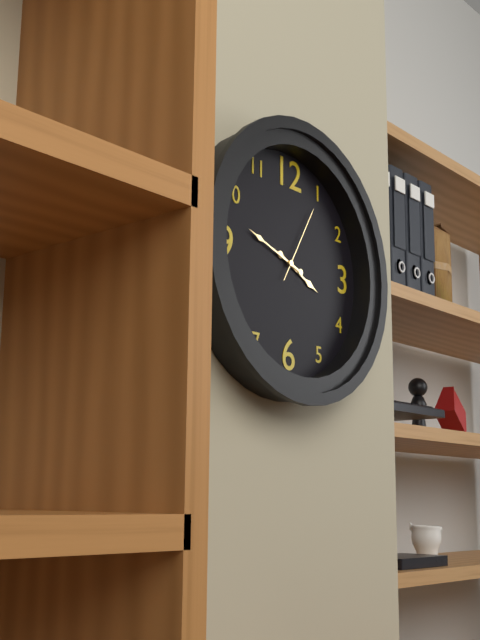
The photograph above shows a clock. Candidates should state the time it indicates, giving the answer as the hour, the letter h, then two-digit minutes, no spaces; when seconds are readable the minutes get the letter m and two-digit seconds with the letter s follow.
3h48m05s
